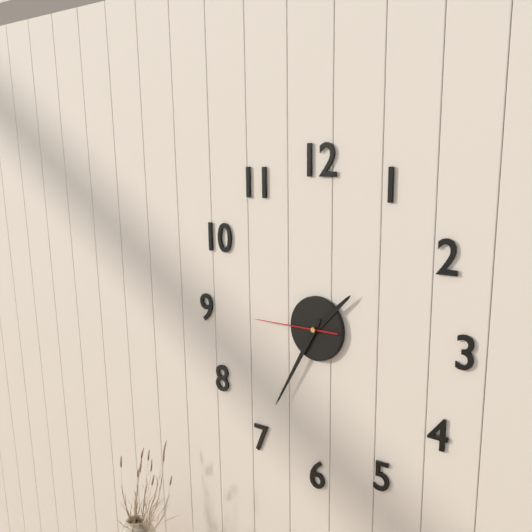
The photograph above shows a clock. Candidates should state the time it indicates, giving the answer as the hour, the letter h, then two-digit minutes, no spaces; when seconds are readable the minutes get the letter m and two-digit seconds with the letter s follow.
1h35m45s
